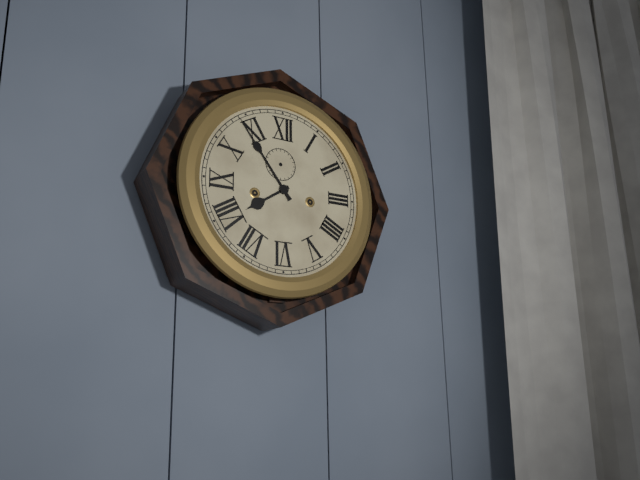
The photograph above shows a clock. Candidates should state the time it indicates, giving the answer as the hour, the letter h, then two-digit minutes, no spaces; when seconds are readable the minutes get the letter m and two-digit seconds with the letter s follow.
7h54
